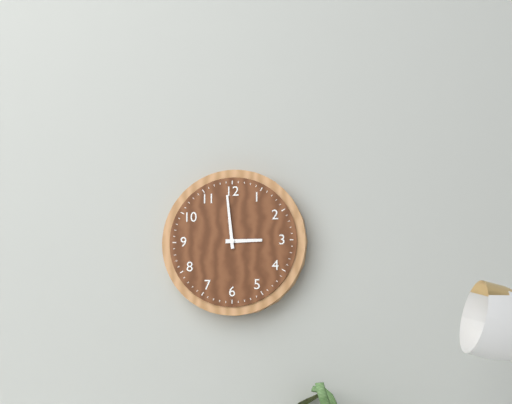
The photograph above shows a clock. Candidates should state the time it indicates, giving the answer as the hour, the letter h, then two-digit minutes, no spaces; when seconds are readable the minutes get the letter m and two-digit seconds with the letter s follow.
2h59
